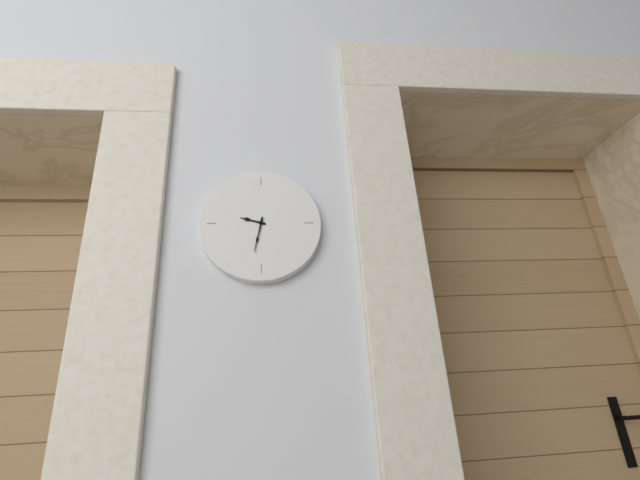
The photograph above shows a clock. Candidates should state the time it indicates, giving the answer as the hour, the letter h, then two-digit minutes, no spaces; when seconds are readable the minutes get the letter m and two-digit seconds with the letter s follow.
9h32
